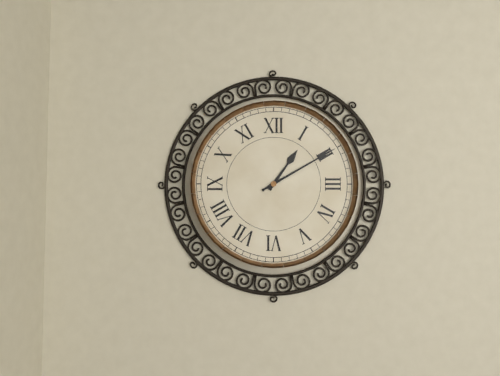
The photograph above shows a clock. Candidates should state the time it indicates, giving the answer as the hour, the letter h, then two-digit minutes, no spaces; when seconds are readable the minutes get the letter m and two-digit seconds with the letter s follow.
1h10
